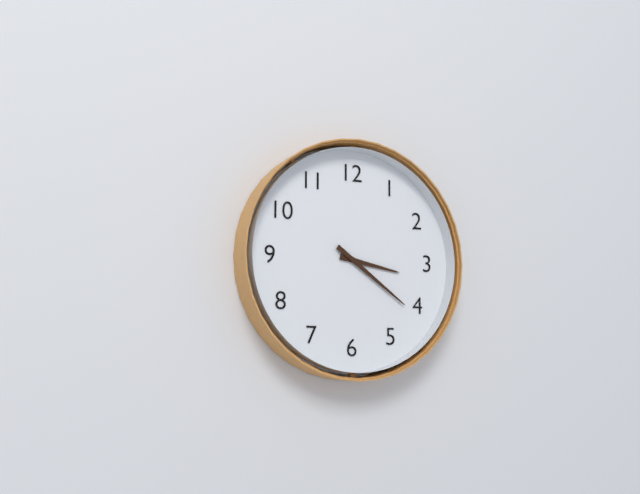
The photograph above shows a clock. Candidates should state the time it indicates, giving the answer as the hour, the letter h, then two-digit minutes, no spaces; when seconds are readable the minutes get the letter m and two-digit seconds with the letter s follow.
3h21
